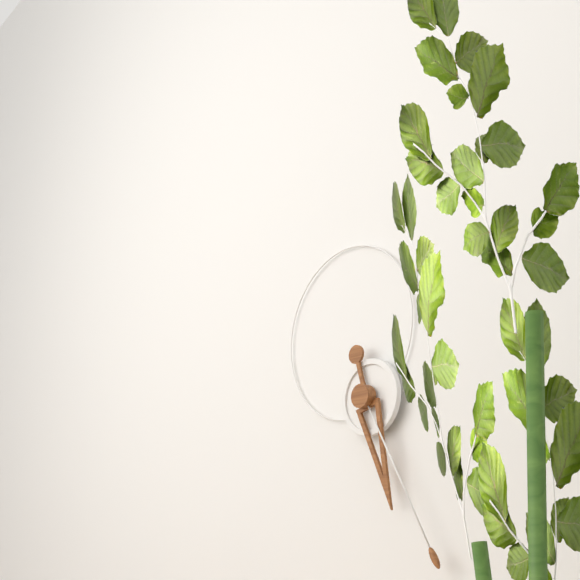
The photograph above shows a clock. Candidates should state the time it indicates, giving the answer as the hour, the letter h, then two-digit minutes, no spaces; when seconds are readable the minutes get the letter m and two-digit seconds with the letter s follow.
5h25
